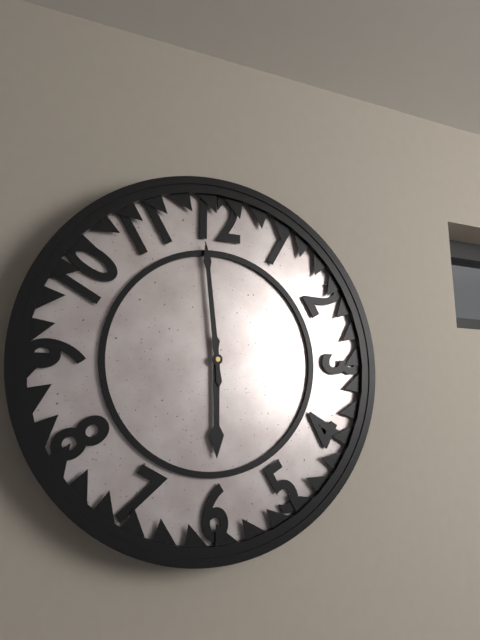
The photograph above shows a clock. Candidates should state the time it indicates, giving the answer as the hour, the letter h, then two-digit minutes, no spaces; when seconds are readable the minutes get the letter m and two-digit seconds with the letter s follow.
5h59
